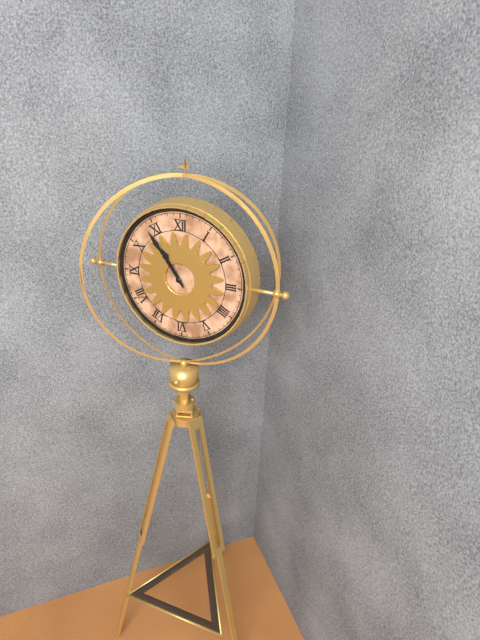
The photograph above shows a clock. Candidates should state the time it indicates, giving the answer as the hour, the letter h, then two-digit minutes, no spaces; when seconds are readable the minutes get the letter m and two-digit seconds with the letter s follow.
10h54
